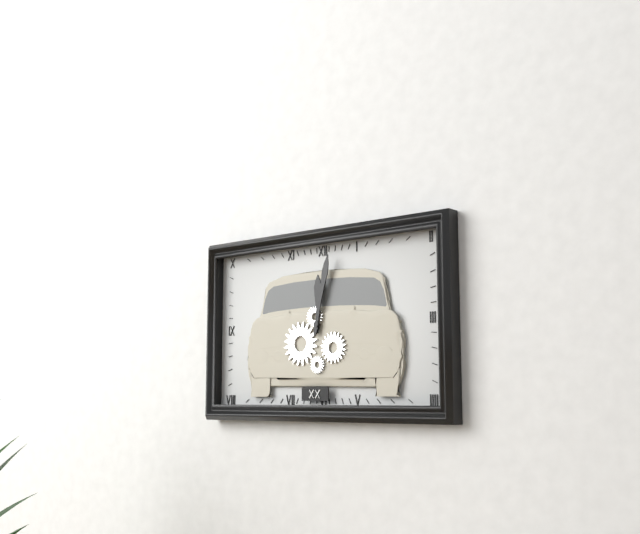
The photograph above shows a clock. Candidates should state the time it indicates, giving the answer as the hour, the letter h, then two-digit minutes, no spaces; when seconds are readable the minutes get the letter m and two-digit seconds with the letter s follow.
12h02
